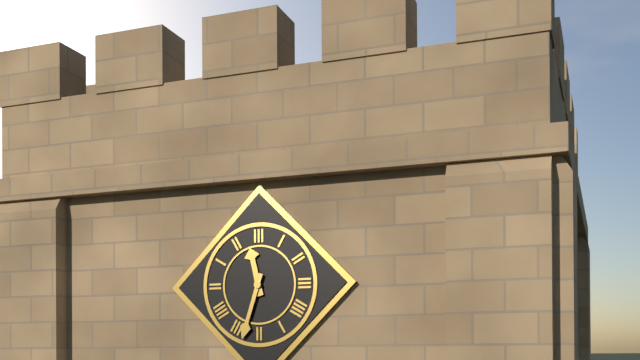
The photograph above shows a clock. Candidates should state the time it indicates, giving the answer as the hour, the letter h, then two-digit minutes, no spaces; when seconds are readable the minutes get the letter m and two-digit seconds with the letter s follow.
11h33
